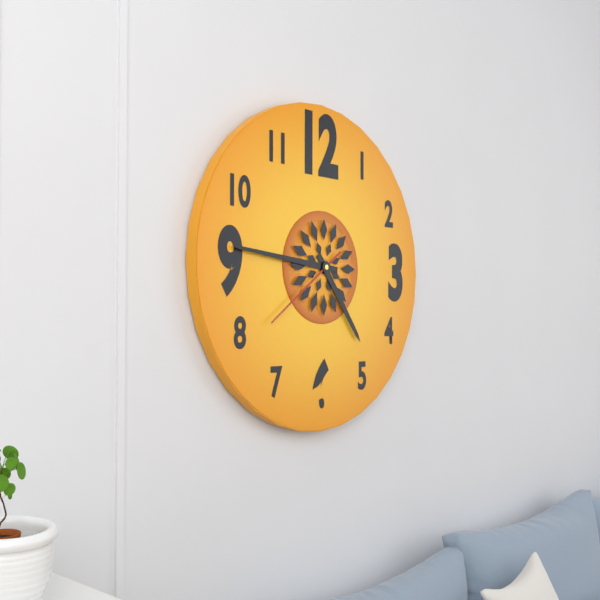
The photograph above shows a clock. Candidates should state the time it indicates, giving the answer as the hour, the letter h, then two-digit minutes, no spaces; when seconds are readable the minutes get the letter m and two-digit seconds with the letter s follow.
4h46m39s
